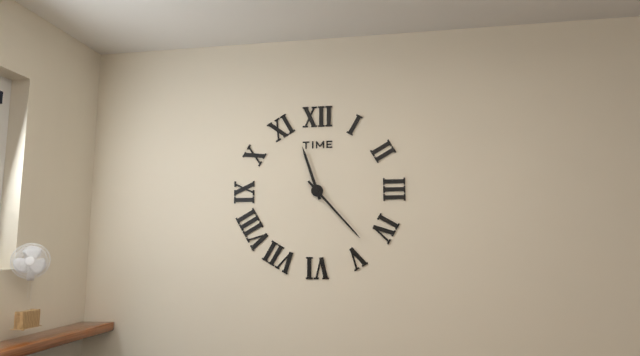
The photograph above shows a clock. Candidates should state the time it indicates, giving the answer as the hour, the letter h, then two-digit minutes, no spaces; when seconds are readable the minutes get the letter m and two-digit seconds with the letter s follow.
11h23
